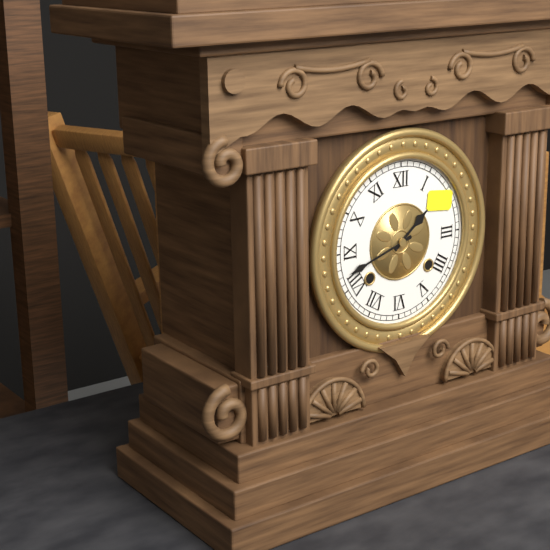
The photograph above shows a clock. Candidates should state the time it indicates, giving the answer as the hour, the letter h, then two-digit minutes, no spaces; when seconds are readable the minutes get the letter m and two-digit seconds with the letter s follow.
1h42
